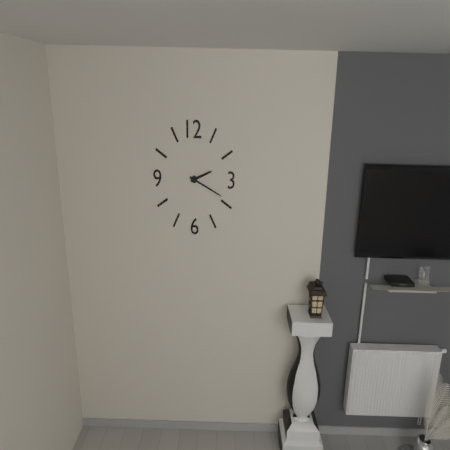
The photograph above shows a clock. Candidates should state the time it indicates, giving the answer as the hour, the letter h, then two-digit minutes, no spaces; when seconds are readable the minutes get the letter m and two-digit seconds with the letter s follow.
2h19
